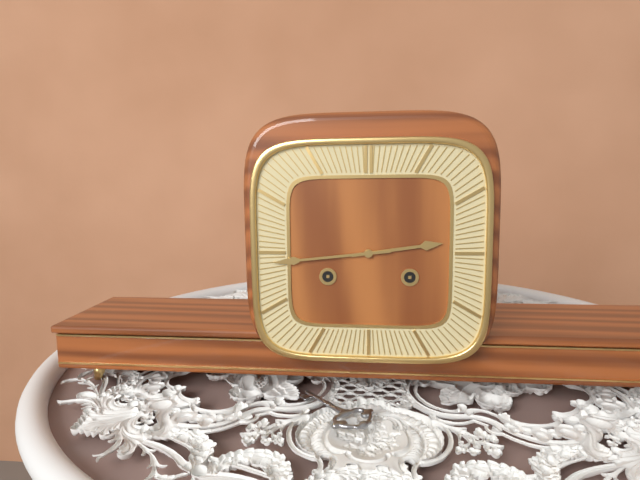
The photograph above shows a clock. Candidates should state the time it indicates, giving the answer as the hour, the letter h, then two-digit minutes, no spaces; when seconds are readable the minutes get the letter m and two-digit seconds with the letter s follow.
2h44
